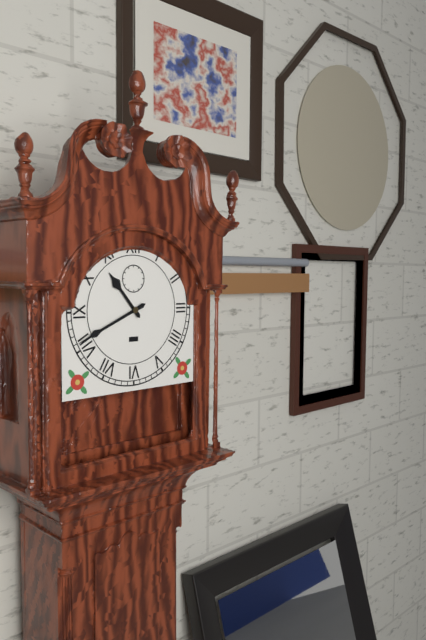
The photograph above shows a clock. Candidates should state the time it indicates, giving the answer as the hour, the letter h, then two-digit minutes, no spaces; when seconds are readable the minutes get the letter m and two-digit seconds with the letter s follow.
10h41
